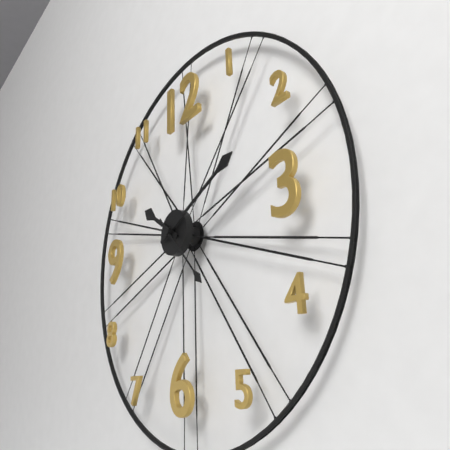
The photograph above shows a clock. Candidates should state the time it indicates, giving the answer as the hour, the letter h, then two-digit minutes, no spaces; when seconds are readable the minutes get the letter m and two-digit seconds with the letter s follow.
10h11m23s
